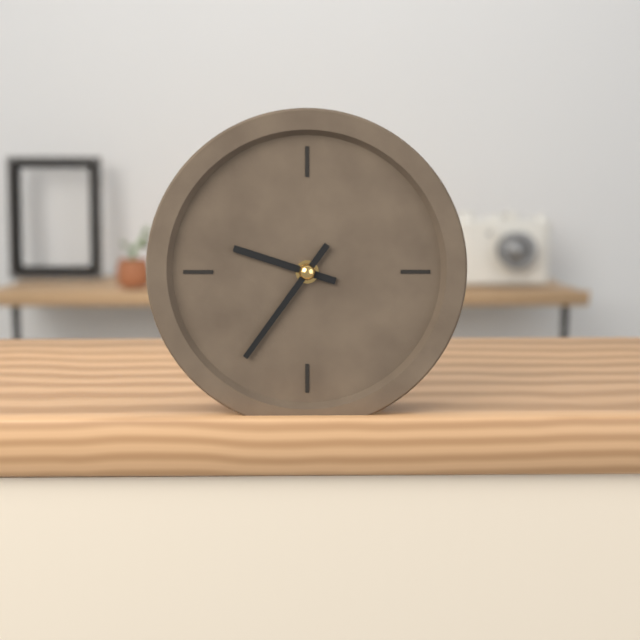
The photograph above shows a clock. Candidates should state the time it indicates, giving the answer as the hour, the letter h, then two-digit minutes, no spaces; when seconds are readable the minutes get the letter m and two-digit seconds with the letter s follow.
9h36
